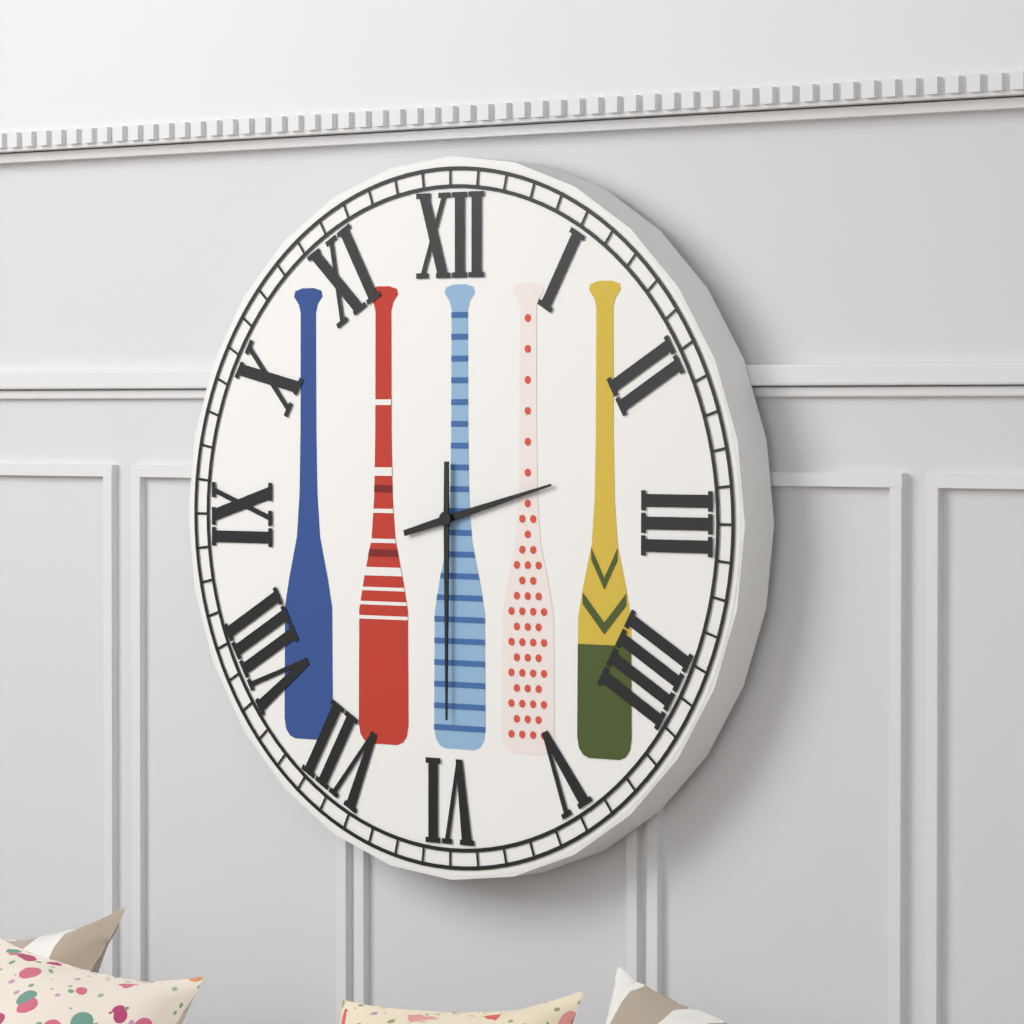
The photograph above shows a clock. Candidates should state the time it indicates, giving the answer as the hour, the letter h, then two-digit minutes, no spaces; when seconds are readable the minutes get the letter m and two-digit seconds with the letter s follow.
2h30
